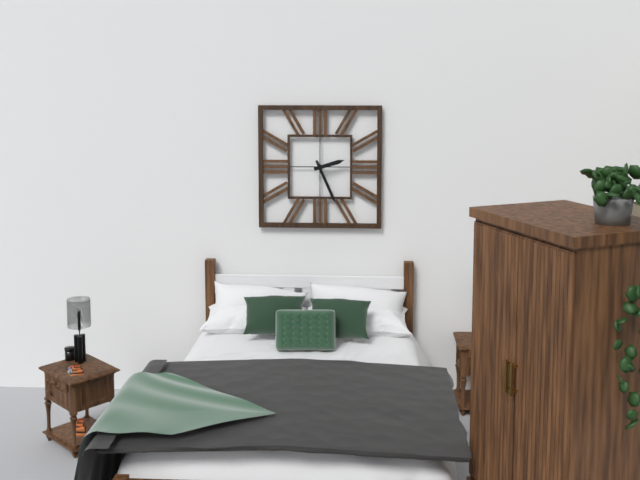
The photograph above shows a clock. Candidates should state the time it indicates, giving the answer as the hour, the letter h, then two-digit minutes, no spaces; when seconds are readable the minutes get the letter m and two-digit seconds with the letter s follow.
2h26
